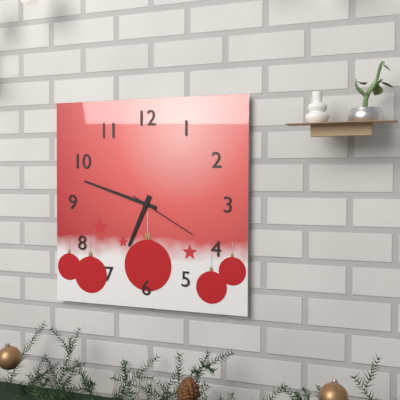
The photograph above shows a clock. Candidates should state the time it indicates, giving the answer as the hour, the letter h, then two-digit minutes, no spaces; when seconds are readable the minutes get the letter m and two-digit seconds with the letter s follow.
6h48m20s
